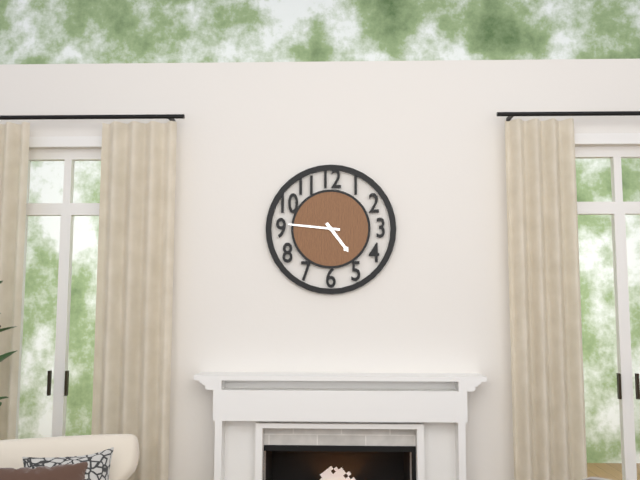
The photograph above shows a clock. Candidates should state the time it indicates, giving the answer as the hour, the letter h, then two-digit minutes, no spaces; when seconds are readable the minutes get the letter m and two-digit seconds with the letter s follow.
4h46
